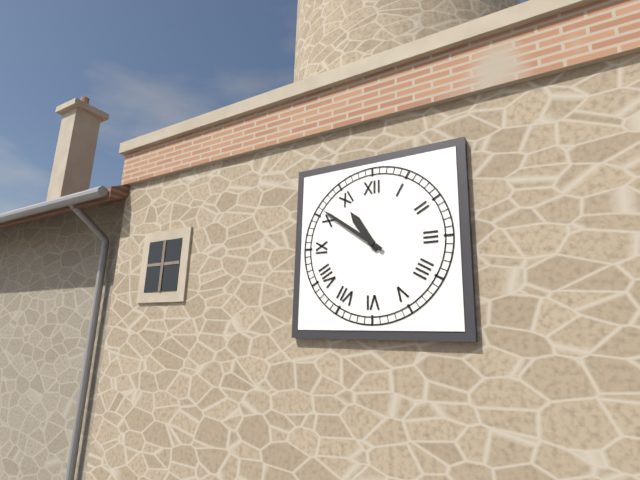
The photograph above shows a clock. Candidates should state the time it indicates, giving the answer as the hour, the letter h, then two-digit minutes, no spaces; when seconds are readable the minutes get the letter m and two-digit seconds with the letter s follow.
10h51
